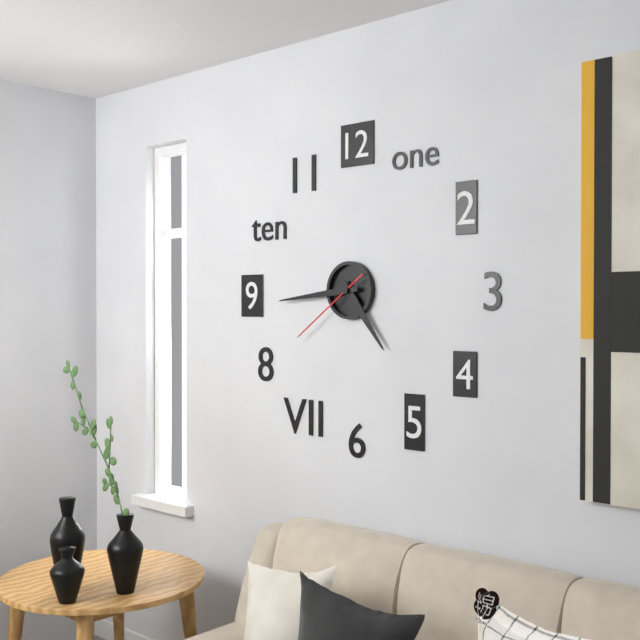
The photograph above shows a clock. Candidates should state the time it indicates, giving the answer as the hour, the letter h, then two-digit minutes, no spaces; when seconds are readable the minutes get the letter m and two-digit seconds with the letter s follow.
4h44m39s
